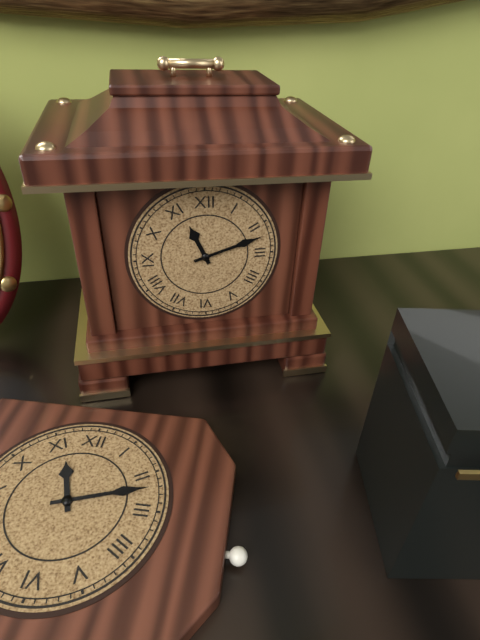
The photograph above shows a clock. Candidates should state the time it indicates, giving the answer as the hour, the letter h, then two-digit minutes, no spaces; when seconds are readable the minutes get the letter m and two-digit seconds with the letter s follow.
11h12
